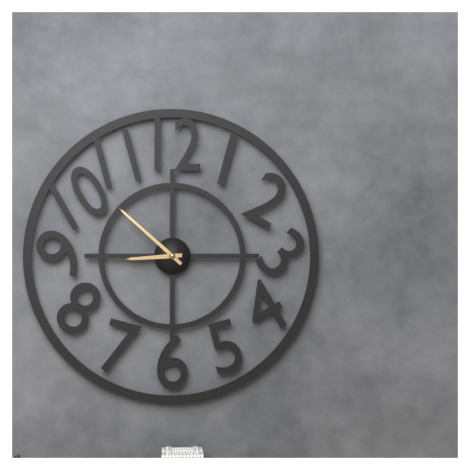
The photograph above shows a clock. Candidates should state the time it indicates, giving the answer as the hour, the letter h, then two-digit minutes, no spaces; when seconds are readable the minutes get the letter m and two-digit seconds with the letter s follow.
8h52
